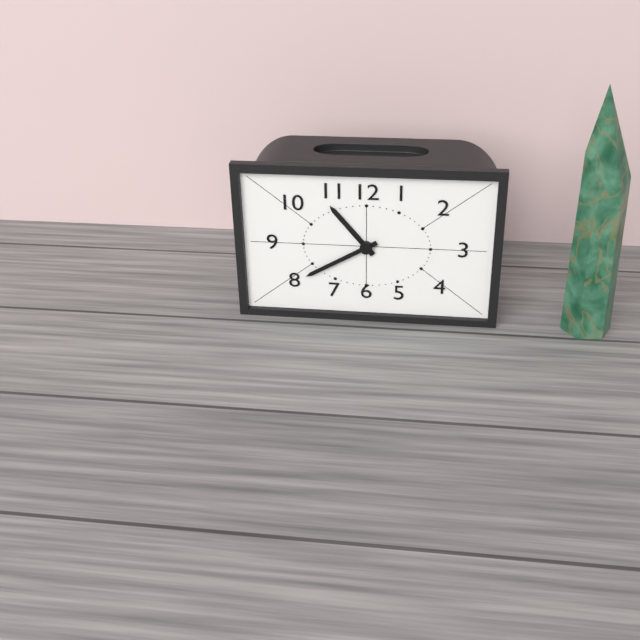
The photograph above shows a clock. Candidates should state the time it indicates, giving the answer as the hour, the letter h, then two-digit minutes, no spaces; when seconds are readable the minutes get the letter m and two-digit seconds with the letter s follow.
10h40
